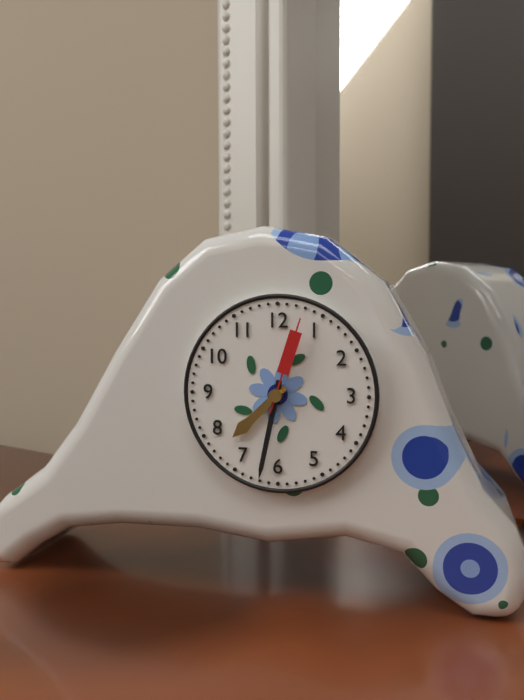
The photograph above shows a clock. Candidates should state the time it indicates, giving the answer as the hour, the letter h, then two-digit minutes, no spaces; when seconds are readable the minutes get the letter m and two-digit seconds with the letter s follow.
7h32m03s
